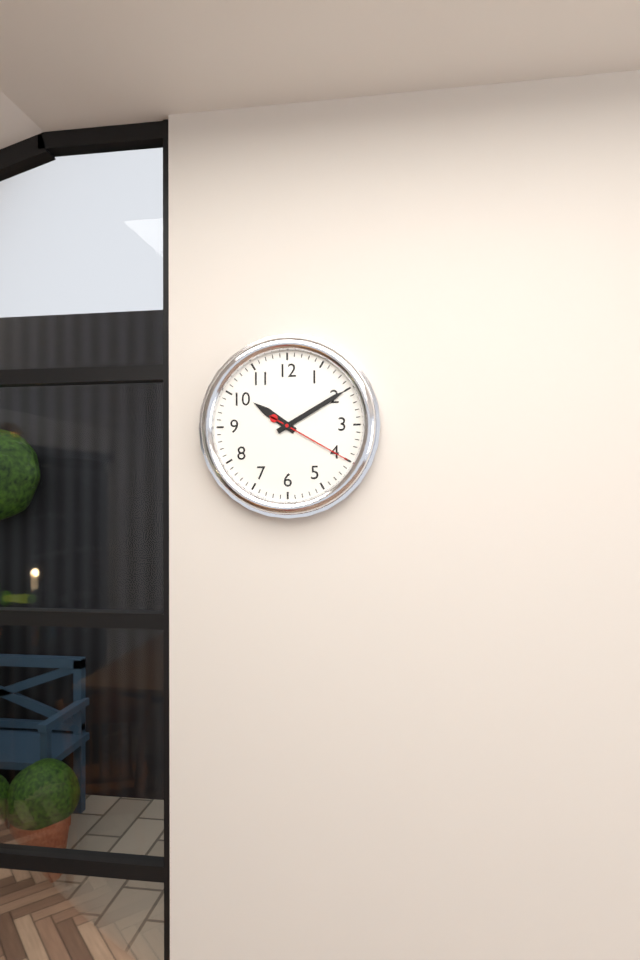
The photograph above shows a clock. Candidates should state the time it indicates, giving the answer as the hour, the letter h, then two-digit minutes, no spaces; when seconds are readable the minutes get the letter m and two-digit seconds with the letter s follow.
10h10m20s
